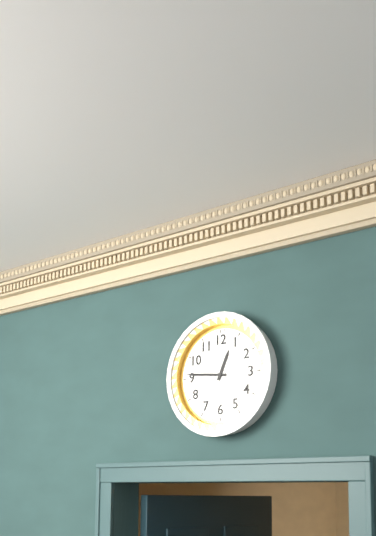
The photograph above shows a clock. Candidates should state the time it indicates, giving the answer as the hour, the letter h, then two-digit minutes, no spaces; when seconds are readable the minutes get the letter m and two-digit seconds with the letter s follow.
12h46
